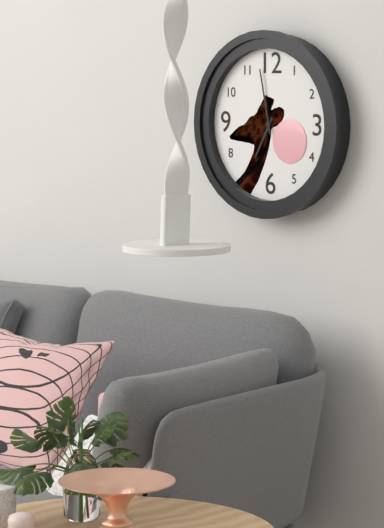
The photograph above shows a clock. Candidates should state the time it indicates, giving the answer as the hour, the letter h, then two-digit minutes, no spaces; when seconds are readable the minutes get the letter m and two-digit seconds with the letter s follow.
6h58
